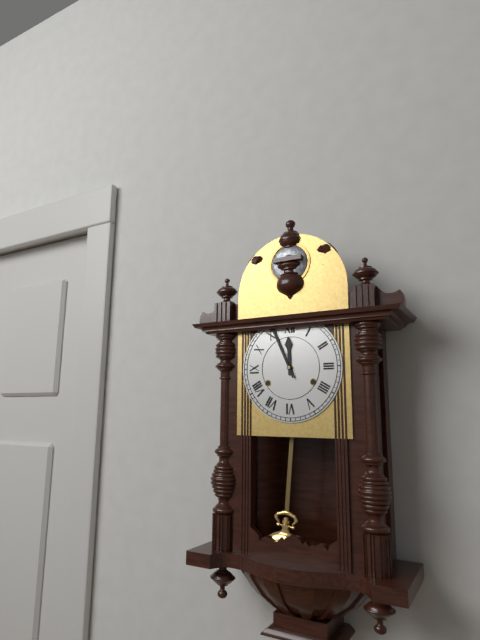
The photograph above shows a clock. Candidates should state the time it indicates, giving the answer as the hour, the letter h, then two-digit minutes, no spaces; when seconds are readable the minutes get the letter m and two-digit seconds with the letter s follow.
11h56
